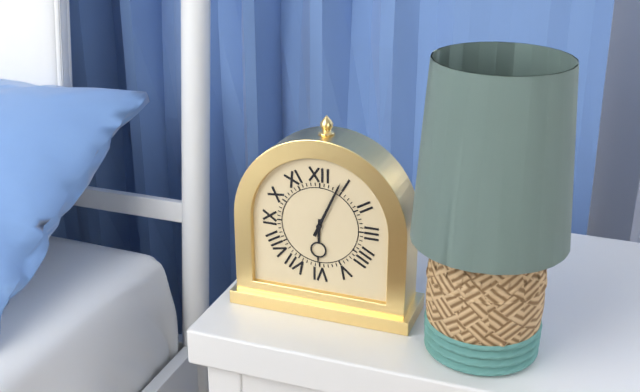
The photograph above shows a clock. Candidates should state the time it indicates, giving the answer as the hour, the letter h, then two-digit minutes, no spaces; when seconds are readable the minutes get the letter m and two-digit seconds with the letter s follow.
6h04
